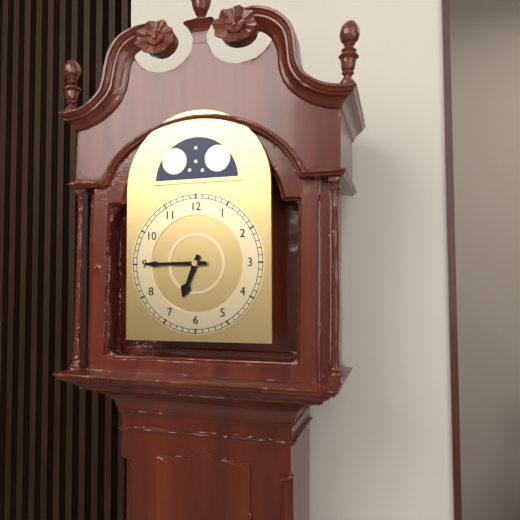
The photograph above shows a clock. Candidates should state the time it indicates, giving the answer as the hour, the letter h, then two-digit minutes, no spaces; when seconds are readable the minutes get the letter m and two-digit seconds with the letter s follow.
6h45
